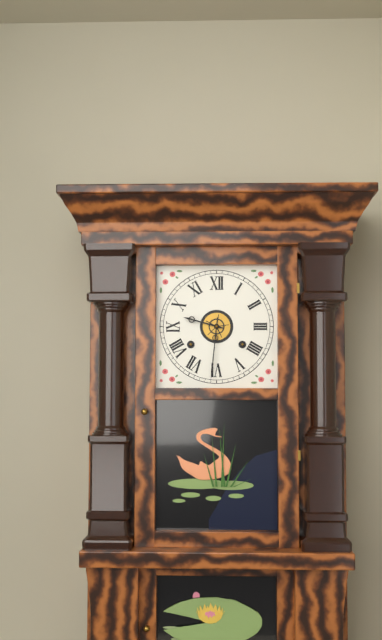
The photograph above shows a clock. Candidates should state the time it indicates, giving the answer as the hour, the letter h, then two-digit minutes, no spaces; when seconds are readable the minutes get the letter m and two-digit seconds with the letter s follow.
9h31
